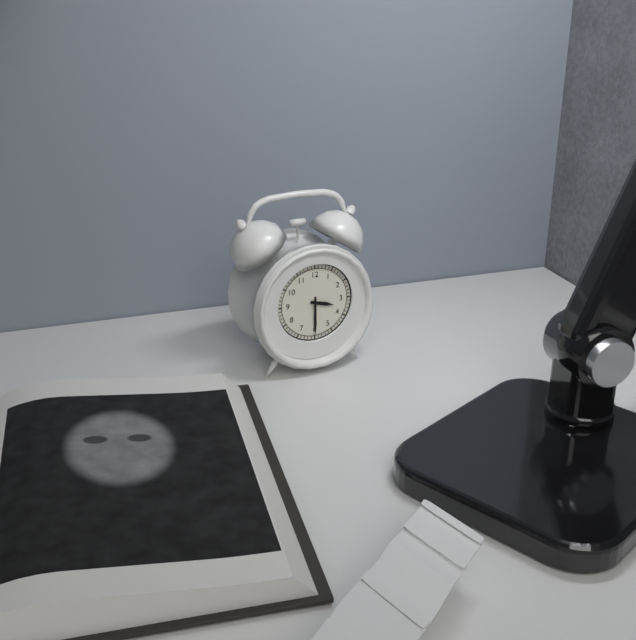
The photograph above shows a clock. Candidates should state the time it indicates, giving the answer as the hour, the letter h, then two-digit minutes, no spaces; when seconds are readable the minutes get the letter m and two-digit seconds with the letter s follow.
3h30
